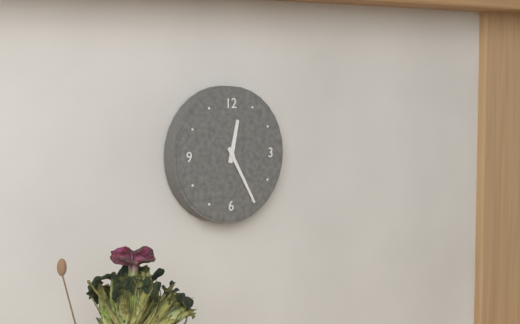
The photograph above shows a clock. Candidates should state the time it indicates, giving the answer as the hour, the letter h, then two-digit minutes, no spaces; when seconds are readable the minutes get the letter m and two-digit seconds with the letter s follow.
12h25
